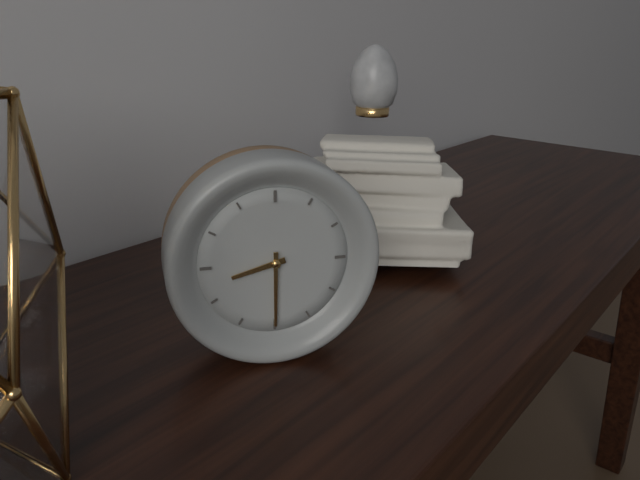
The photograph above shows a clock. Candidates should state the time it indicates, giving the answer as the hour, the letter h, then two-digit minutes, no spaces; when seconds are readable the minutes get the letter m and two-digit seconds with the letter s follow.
8h30
